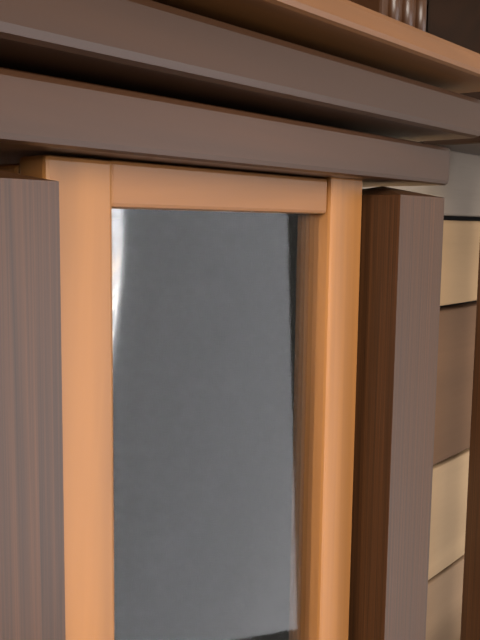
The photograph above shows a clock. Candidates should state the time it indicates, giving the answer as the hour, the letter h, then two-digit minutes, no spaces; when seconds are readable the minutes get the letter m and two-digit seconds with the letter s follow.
3h35
